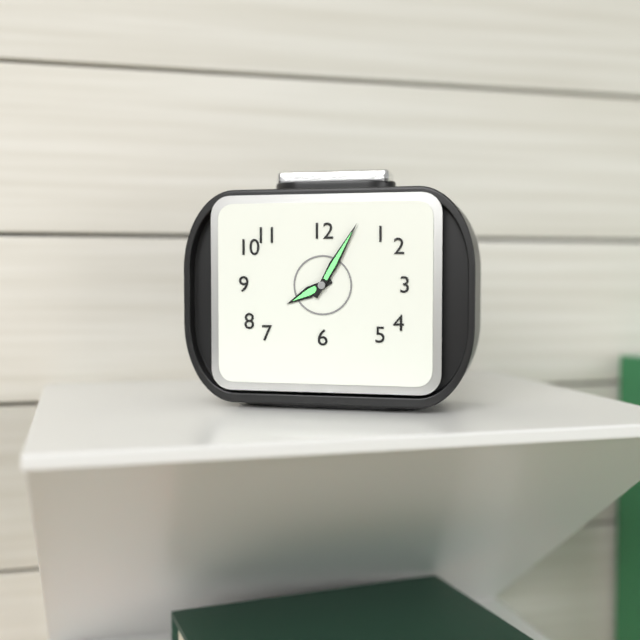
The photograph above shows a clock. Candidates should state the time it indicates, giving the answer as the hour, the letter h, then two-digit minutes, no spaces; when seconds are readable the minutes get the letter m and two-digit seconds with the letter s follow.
8h05
